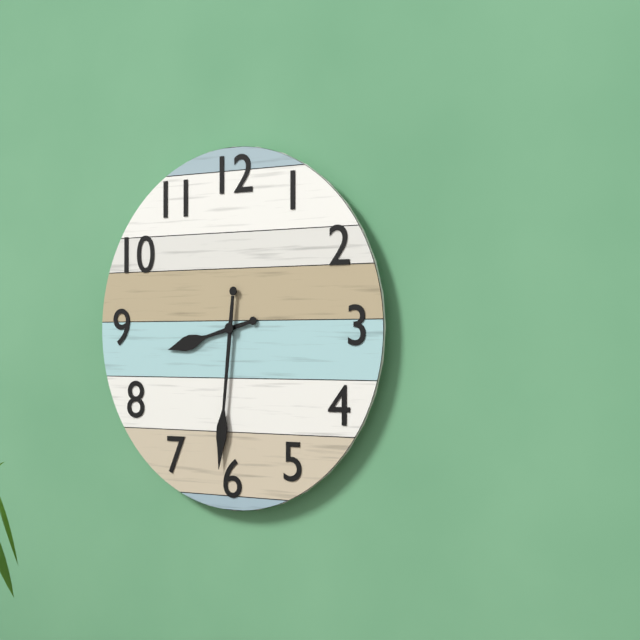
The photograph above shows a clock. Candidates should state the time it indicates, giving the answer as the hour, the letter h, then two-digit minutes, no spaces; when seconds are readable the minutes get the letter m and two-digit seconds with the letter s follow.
8h31
